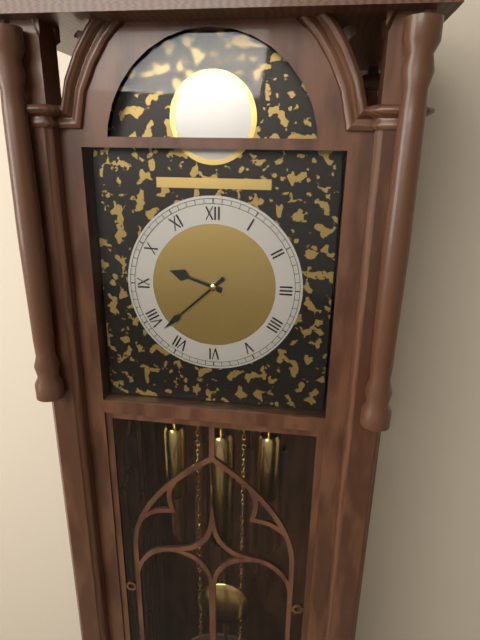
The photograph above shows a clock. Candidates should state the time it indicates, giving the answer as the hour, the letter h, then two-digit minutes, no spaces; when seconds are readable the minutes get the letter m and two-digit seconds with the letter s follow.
9h38
